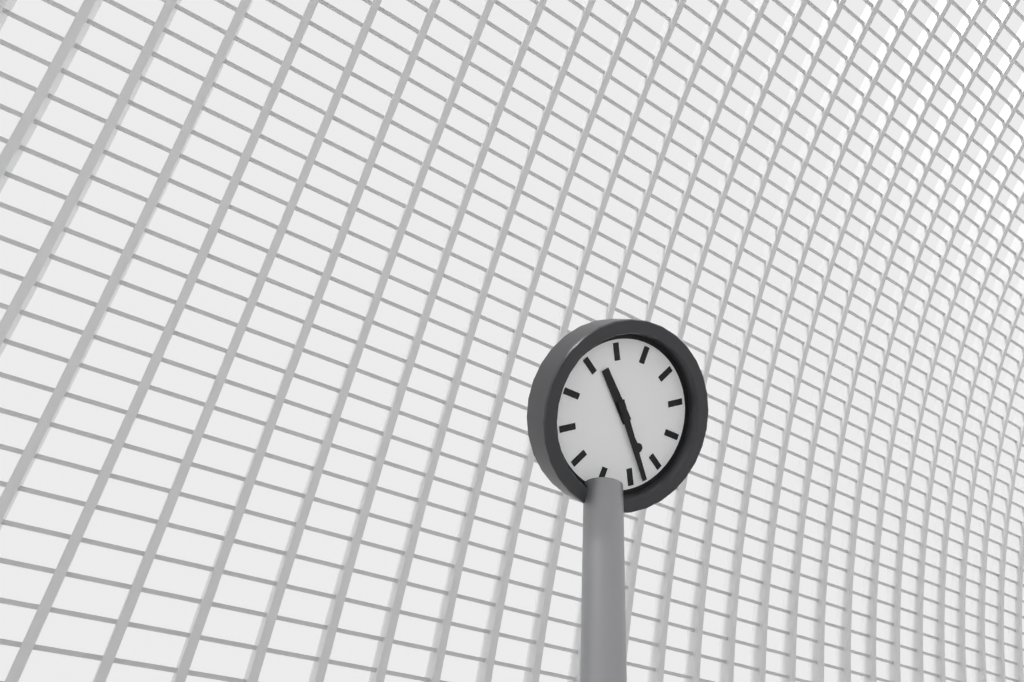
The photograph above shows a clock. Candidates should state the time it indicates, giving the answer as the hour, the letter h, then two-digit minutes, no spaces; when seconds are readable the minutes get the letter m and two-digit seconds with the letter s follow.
10h23
